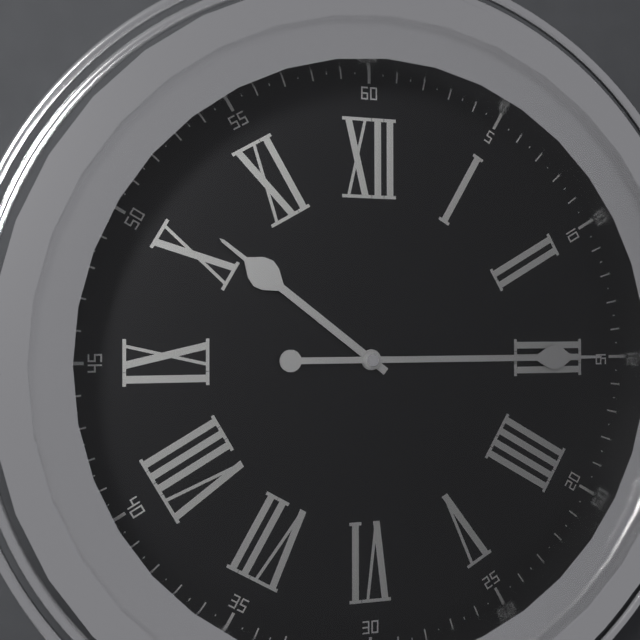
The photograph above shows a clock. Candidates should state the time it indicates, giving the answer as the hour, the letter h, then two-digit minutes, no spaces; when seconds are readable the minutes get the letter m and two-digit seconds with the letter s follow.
10h15
